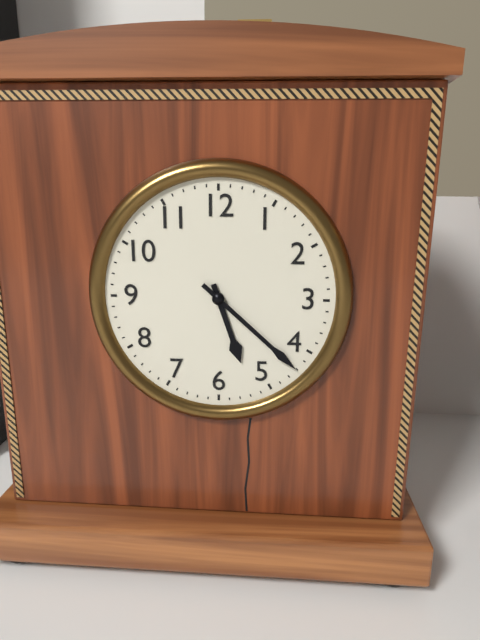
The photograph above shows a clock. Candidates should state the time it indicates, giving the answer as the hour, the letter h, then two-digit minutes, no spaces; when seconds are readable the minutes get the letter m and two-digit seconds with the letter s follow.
5h22
